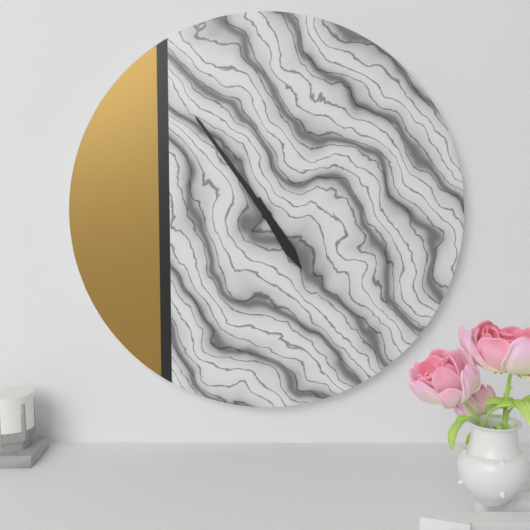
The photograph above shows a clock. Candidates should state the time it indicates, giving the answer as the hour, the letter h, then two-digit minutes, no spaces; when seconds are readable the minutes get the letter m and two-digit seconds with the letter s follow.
4h54
